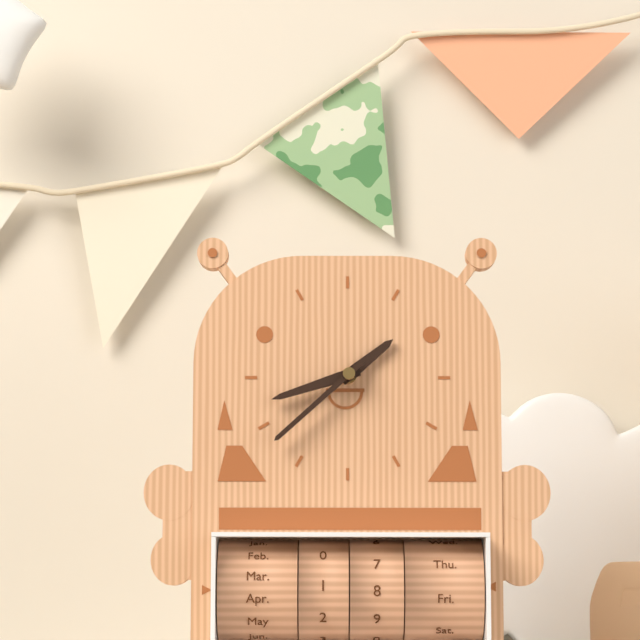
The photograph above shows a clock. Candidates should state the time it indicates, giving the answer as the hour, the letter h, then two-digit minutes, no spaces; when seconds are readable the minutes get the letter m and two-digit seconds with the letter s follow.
1h42m38s
